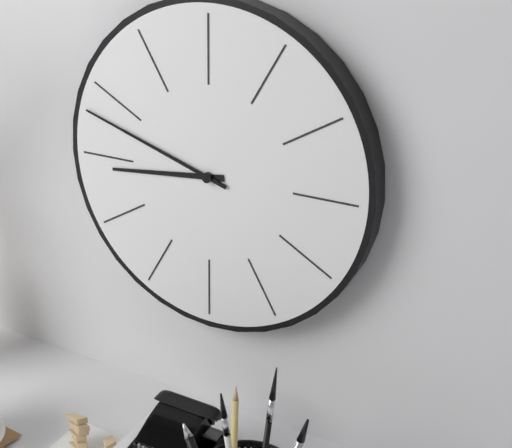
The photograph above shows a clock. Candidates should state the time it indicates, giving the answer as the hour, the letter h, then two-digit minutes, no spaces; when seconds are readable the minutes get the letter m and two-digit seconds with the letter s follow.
8h48
